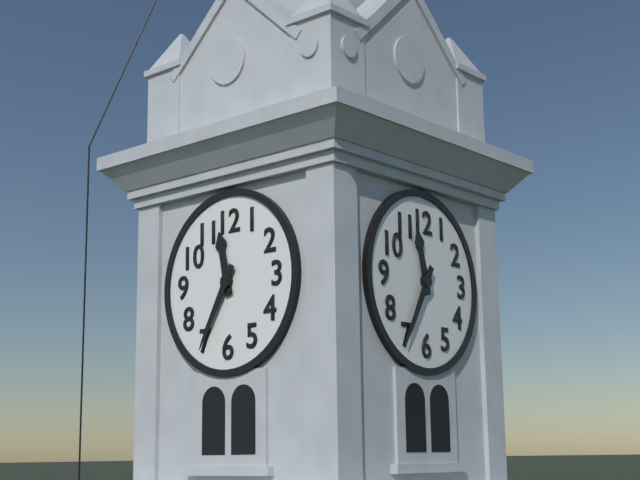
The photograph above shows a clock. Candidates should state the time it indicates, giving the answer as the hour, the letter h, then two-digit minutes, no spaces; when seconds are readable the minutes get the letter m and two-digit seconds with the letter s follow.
11h35
